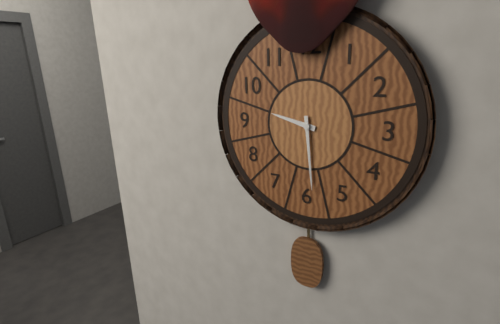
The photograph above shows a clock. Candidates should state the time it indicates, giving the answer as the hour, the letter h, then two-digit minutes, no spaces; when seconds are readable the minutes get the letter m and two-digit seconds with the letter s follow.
9h29
